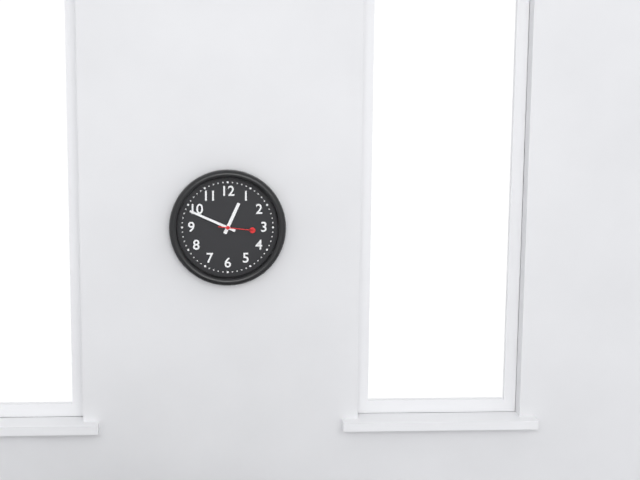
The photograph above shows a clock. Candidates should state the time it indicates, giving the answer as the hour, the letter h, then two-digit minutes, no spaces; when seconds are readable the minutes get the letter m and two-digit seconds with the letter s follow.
12h49
